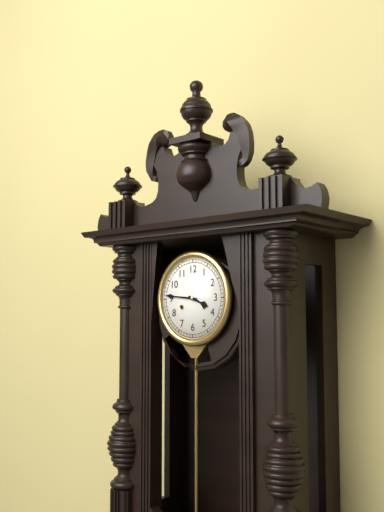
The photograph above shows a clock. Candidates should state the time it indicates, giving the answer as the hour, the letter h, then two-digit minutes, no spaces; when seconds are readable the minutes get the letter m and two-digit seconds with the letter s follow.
3h46
